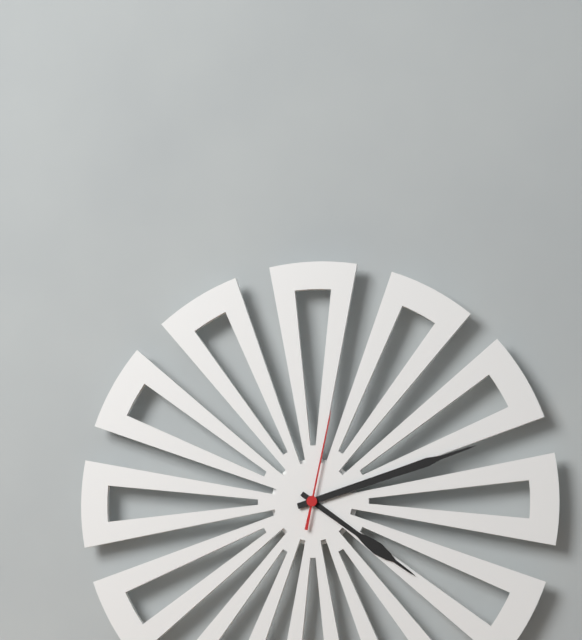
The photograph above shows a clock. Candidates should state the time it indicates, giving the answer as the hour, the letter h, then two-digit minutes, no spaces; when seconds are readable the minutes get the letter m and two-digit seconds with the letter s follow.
4h12m02s
